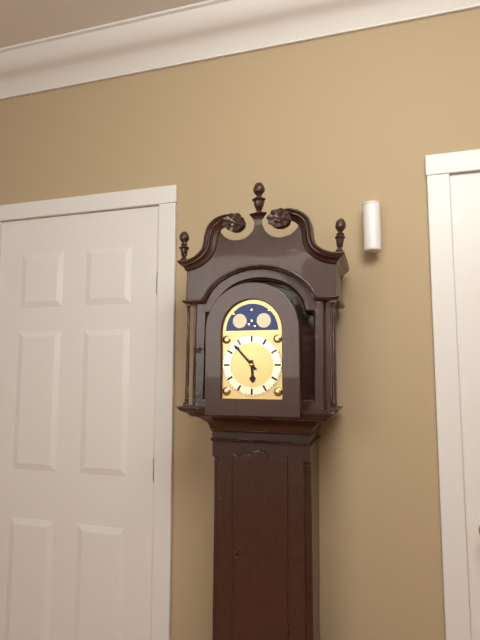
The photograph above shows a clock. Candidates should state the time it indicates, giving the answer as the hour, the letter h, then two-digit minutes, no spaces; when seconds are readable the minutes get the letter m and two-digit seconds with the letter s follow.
5h53
